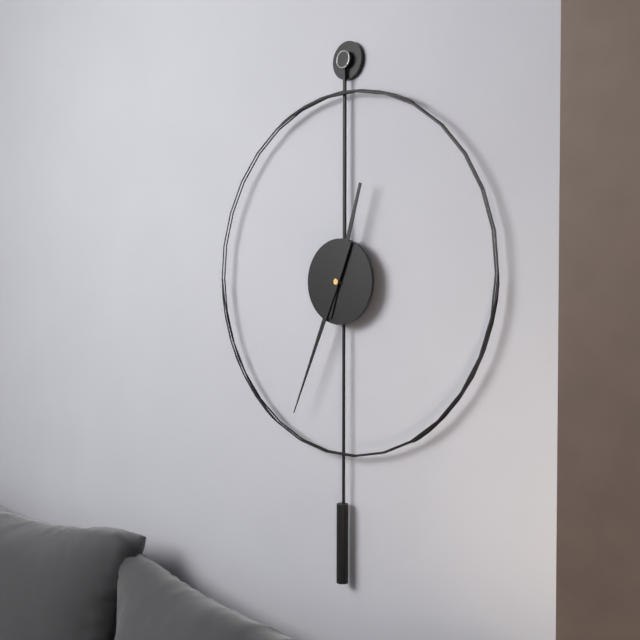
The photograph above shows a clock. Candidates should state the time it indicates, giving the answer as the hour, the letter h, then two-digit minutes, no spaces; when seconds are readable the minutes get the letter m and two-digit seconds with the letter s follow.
12h34
